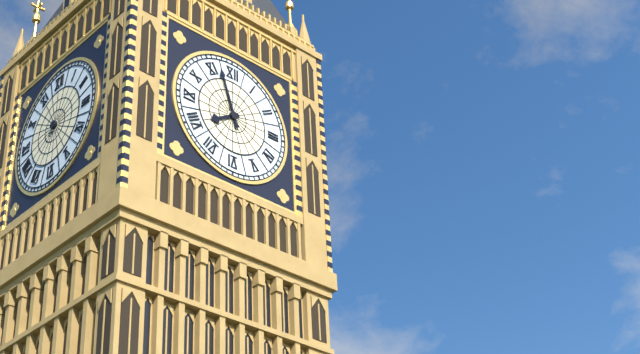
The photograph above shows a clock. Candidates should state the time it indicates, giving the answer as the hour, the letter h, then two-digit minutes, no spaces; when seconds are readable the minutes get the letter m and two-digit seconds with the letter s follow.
7h57
